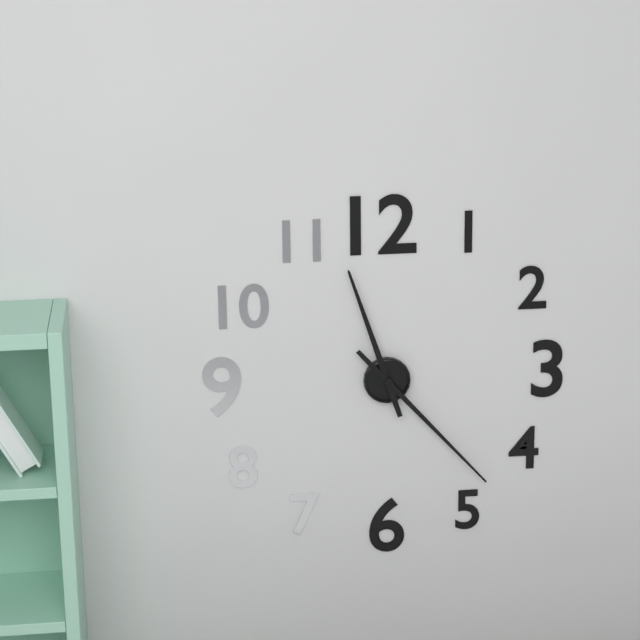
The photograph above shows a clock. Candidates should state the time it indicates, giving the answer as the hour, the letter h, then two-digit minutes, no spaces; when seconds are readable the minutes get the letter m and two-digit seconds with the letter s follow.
11h23
